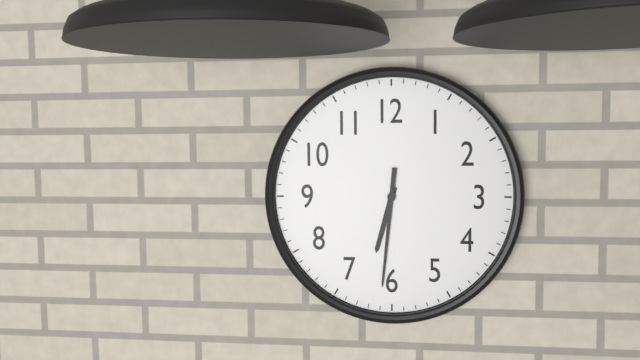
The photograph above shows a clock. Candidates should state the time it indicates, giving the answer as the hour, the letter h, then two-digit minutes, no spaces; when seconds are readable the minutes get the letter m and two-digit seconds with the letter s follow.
6h31
